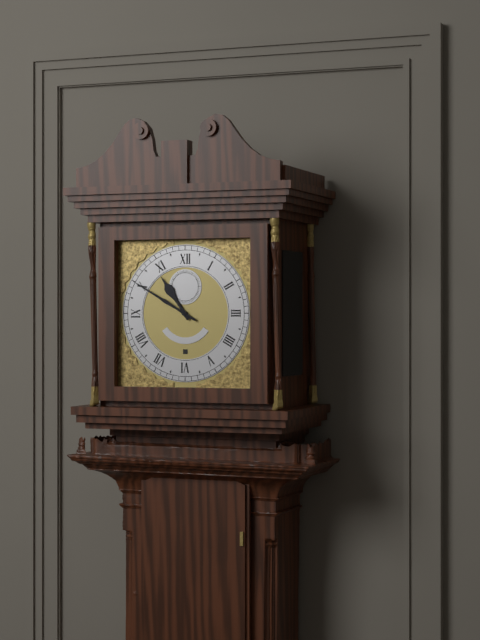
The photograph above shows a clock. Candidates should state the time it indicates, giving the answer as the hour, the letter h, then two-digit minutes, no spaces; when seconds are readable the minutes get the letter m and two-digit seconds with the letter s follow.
10h50
